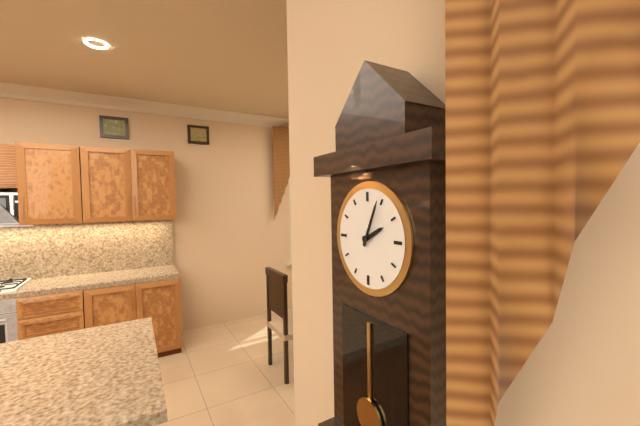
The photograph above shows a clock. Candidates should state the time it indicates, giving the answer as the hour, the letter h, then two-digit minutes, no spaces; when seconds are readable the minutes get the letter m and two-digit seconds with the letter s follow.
2h04
